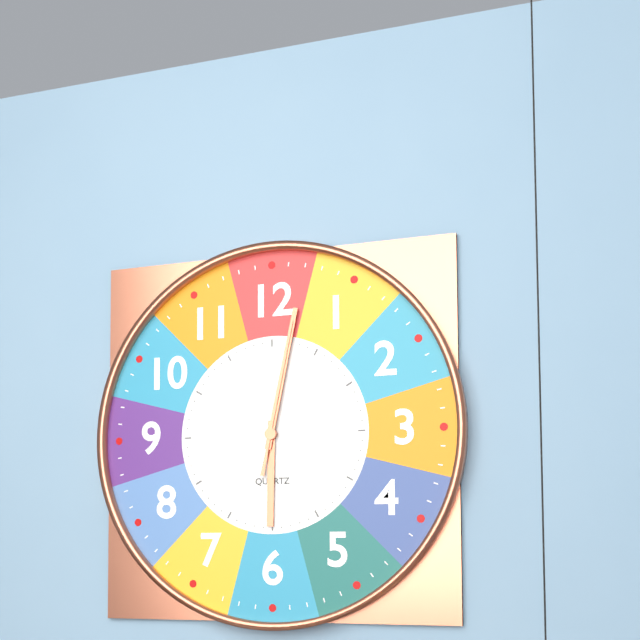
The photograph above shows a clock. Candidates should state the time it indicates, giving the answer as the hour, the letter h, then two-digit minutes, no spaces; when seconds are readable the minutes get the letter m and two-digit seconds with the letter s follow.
6h02m02s
